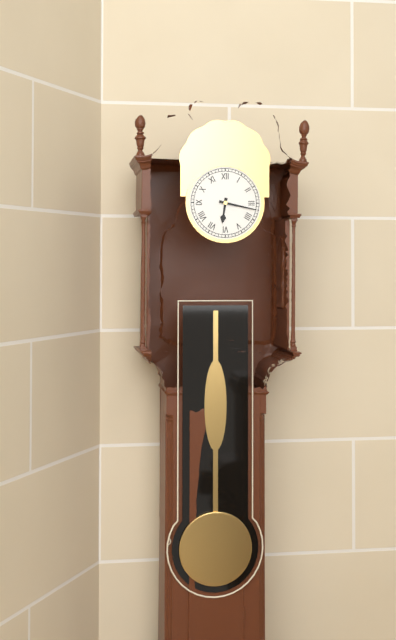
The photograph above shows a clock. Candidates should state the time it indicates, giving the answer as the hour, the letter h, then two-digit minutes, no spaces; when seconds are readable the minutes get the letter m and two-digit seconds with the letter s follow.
6h17
